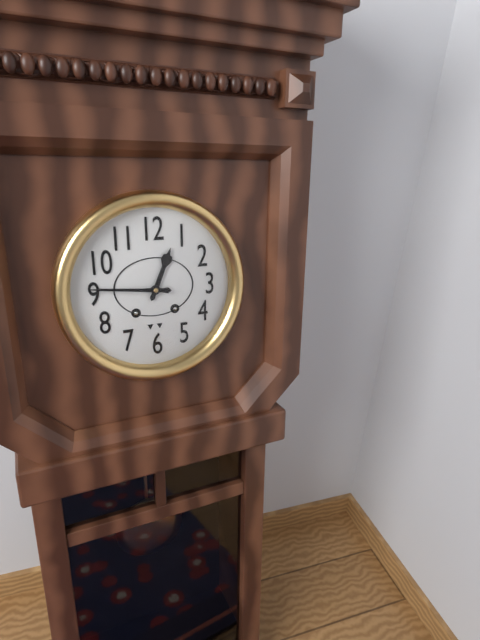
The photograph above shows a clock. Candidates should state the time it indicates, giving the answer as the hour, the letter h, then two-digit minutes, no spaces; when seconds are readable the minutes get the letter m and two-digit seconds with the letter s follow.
12h46
